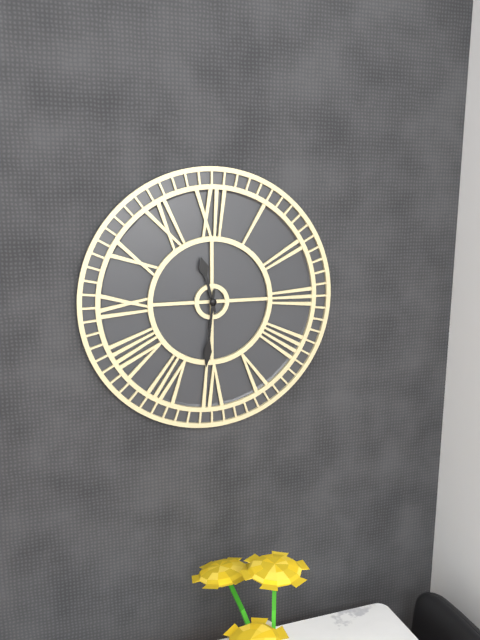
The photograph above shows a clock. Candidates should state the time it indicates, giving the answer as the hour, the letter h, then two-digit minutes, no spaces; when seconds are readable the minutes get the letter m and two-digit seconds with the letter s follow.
11h31
